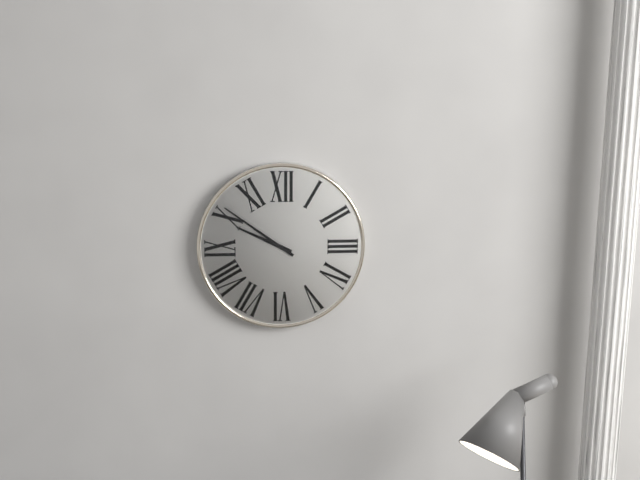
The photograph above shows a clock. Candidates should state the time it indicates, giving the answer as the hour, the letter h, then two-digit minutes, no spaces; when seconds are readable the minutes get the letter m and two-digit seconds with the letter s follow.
9h51
